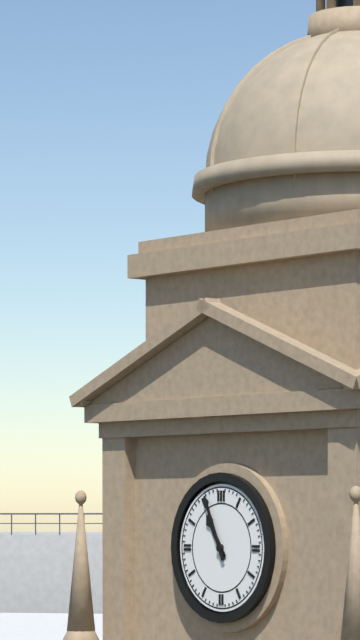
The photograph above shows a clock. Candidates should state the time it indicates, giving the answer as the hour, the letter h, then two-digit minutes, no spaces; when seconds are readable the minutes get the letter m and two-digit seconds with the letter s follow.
10h56
